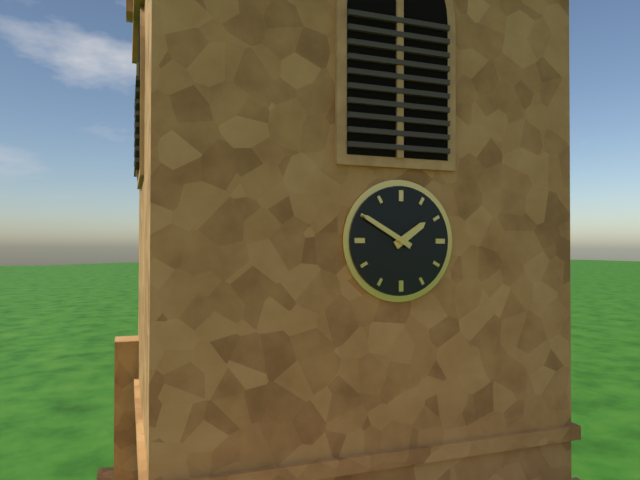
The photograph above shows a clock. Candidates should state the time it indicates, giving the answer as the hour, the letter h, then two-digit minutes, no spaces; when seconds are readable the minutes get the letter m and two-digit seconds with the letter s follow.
1h50
